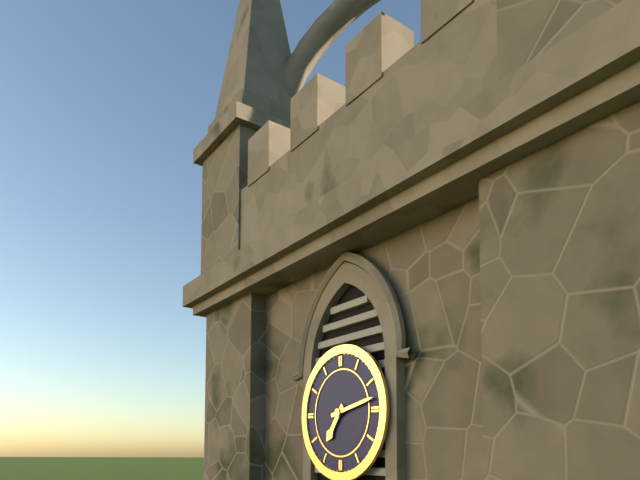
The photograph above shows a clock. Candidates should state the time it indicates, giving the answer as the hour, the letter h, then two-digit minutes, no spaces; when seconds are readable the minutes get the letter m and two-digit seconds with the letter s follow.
7h13
